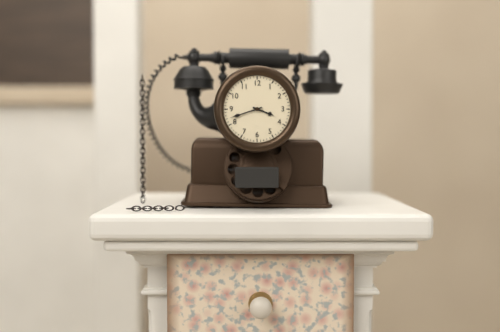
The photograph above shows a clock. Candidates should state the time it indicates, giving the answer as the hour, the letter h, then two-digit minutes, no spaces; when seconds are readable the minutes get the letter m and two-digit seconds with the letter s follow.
3h42
